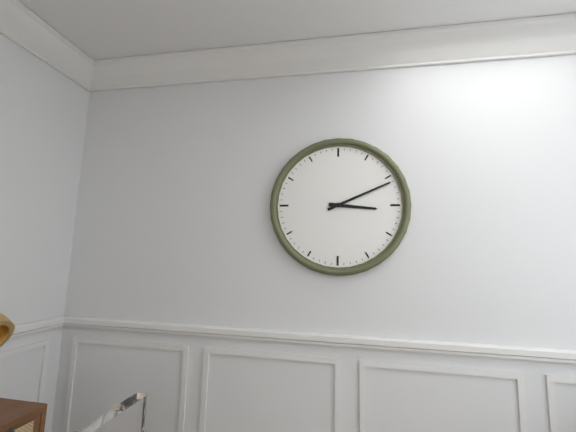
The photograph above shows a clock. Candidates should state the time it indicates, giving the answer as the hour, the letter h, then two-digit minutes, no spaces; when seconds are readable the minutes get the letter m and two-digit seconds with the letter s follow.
3h11
